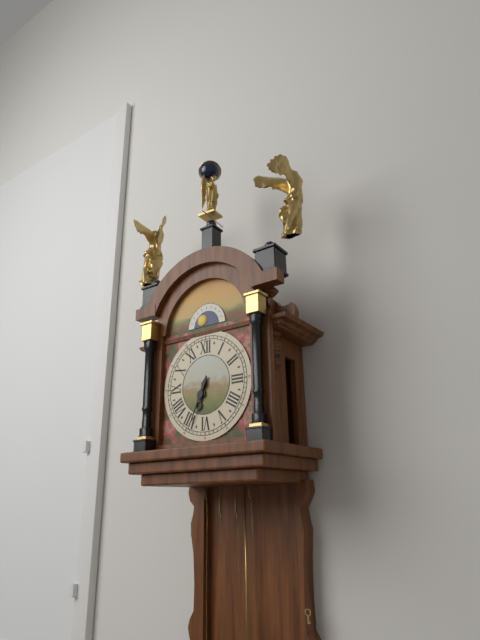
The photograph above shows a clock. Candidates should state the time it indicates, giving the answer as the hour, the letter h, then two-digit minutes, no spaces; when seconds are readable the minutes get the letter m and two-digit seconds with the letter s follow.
6h34
